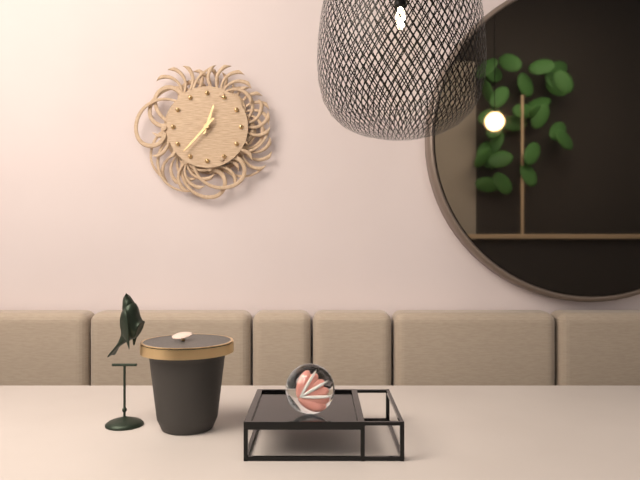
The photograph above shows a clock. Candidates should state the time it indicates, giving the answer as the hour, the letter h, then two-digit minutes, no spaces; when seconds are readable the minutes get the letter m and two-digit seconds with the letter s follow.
12h37
